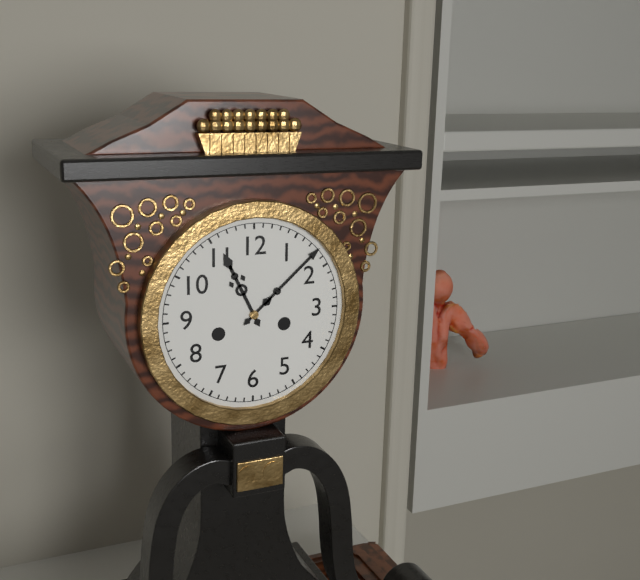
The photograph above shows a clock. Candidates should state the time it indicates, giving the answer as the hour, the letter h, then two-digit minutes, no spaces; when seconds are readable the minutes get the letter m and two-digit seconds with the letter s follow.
11h08
